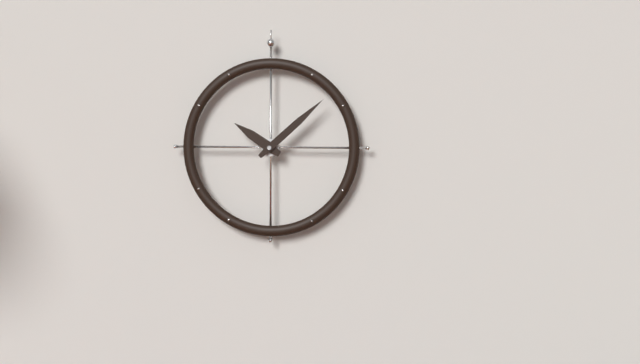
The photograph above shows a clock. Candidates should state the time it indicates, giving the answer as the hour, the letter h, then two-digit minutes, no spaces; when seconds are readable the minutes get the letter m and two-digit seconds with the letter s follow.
10h08
